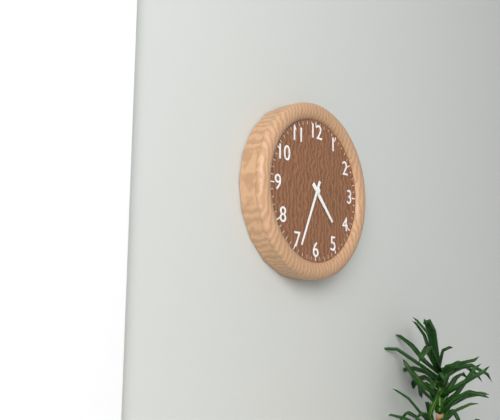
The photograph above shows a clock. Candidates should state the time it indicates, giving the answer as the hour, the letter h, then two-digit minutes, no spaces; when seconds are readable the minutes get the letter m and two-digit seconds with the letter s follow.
4h34
